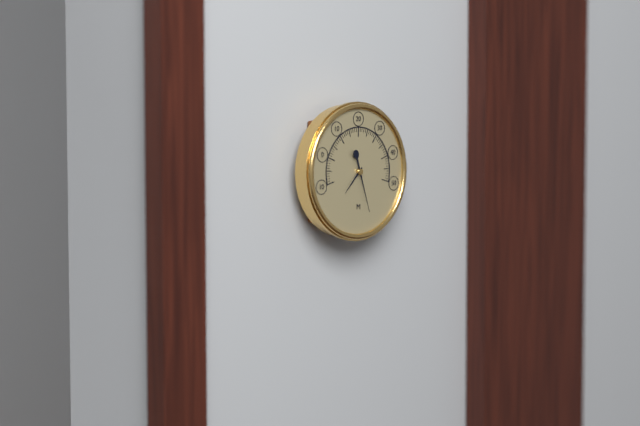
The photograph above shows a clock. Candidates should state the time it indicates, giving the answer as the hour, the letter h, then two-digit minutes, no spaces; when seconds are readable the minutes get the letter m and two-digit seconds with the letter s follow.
7h27
